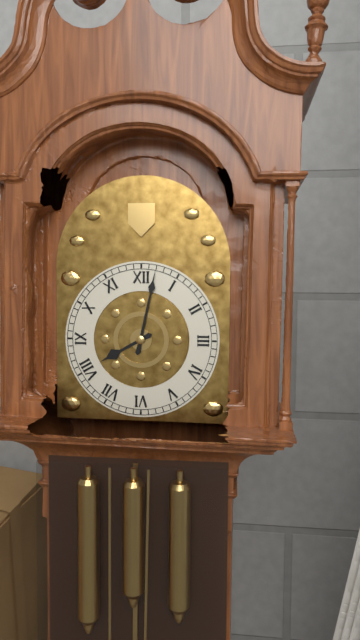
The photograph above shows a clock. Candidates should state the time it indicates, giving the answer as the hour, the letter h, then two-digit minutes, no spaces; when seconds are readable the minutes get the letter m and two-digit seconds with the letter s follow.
8h02
